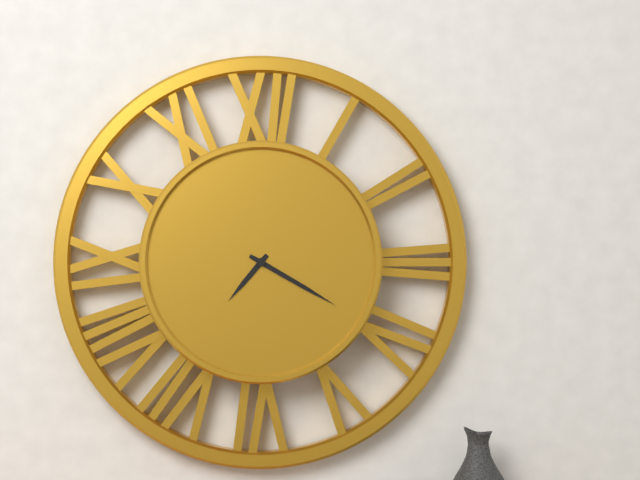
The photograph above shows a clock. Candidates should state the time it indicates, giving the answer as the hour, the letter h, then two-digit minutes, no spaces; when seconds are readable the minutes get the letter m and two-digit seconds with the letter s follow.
7h20
